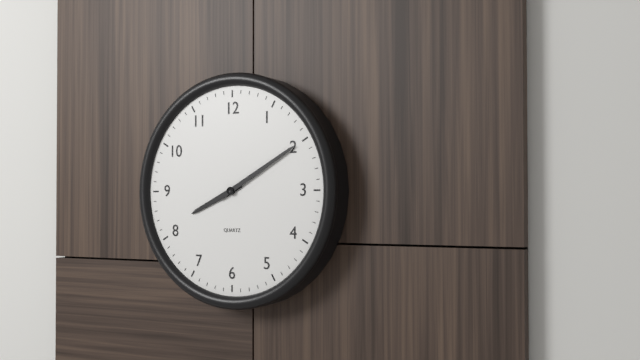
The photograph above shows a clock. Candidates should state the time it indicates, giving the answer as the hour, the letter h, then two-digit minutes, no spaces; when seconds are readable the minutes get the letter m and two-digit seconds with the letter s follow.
8h10
